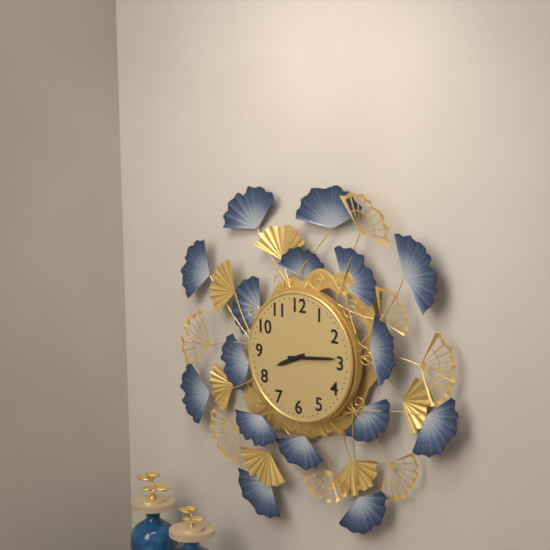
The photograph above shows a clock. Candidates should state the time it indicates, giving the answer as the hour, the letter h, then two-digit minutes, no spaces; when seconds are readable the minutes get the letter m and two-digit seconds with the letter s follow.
8h14
